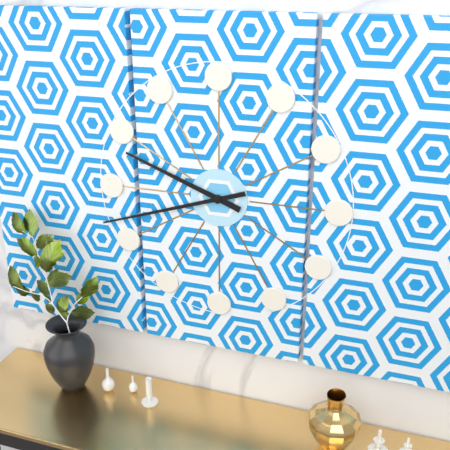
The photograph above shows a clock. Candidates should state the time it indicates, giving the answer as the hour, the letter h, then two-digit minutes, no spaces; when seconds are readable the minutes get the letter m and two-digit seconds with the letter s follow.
9h42
